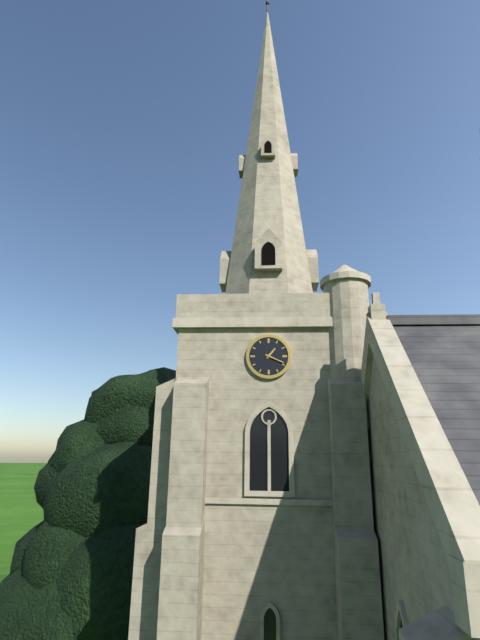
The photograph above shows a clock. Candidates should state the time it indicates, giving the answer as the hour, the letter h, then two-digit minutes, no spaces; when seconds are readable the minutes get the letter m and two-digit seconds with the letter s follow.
1h19
